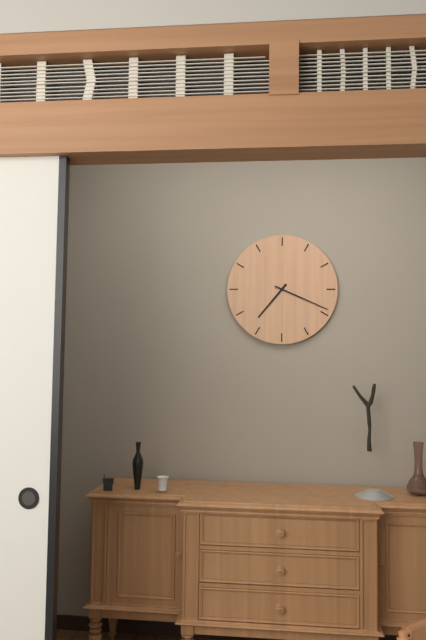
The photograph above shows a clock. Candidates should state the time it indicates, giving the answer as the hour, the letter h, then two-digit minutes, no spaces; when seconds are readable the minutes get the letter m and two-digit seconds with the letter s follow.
7h19
